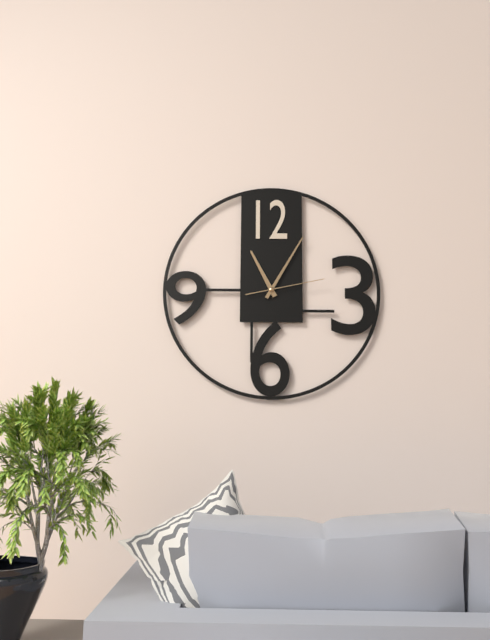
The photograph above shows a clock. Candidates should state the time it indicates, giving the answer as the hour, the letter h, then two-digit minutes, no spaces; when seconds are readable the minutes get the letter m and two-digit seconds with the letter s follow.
11h05m13s
